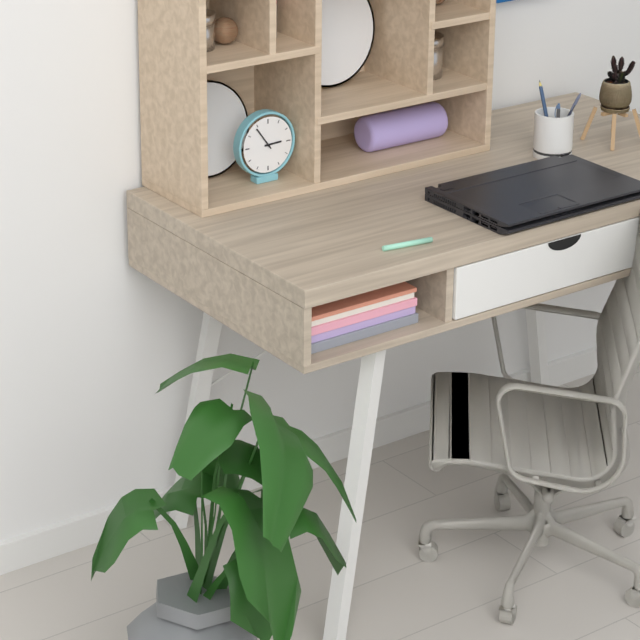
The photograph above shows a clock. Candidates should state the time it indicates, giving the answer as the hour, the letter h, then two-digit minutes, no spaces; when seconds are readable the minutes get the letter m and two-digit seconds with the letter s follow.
2h54
